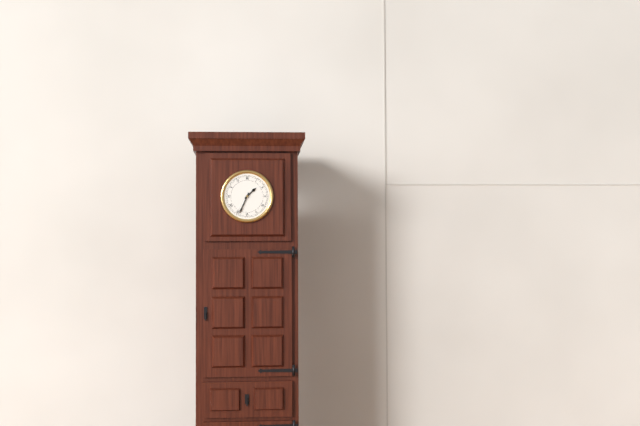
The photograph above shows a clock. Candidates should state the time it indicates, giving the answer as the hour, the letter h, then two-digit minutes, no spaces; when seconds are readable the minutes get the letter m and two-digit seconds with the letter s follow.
1h34
